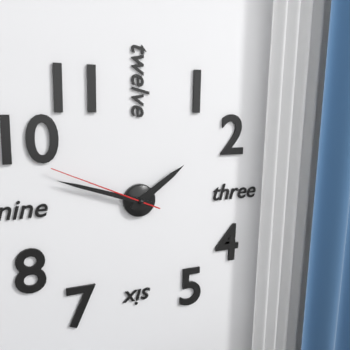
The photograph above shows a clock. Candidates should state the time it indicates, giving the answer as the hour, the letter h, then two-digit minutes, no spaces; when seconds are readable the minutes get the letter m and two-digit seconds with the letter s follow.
1h48m49s
